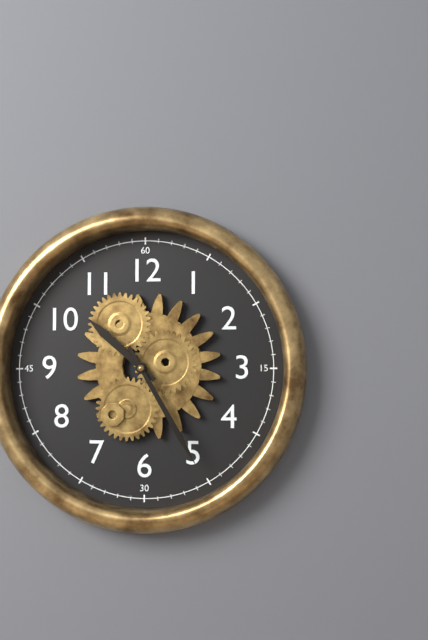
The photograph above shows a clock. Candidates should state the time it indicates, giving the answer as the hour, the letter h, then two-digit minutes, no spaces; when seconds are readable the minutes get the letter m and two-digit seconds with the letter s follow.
10h25
